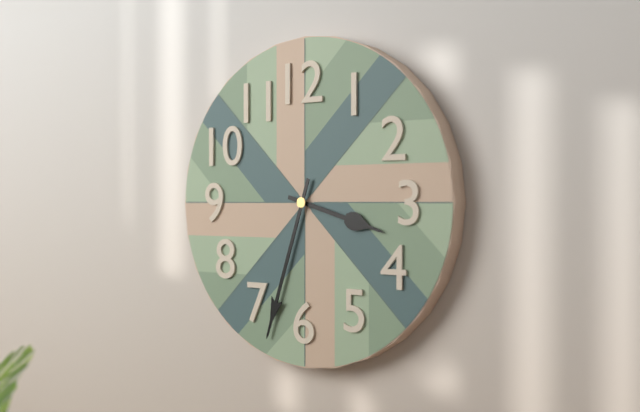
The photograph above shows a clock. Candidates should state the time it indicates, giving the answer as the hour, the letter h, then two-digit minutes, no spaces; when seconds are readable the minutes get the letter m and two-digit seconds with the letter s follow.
3h33
